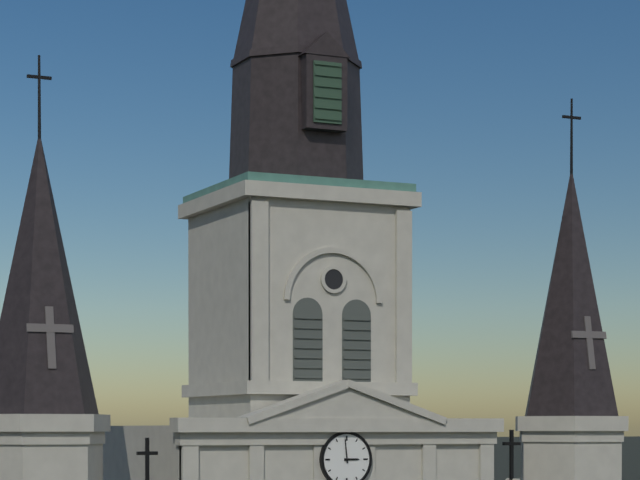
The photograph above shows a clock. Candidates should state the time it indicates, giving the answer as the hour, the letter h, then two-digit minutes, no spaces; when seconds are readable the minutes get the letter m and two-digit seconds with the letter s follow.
2h59
